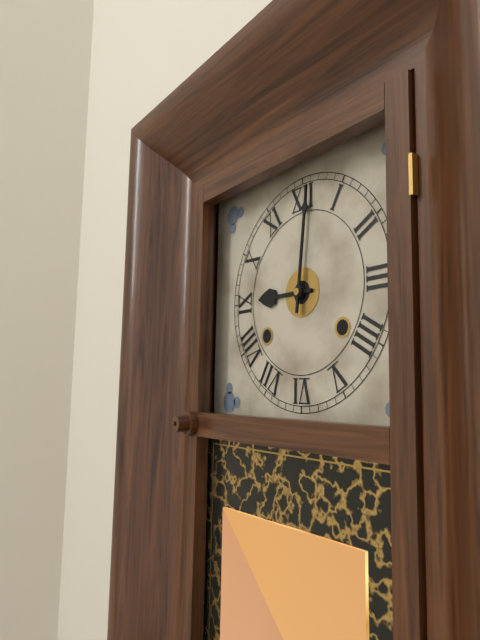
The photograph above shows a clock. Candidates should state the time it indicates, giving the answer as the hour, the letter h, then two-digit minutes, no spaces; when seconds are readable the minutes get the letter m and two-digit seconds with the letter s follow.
9h01
